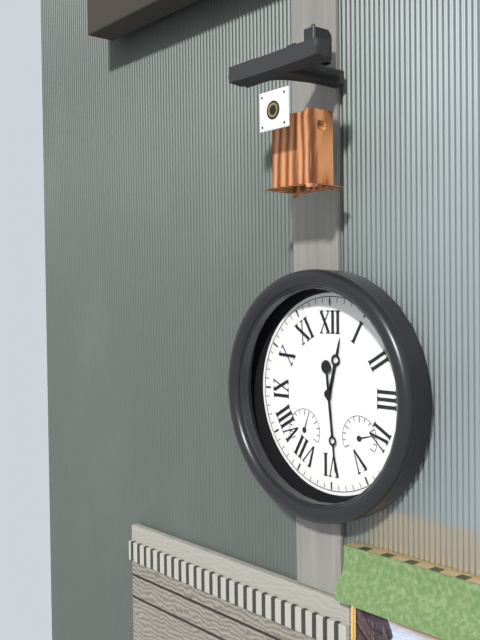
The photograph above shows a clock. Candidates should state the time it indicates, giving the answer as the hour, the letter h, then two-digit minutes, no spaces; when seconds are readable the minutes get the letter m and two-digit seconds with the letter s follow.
12h29
